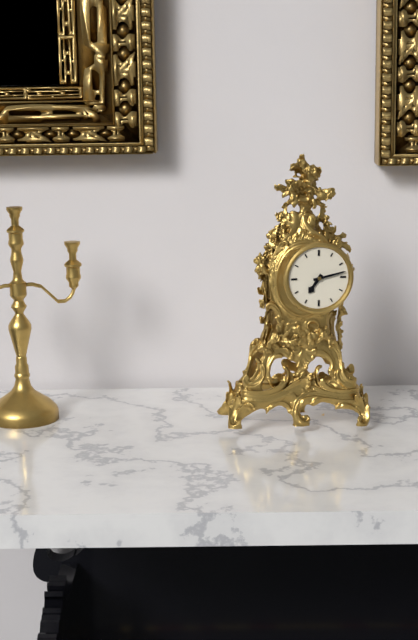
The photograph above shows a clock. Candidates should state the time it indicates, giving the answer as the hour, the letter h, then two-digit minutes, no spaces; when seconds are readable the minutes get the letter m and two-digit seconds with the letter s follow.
7h13
